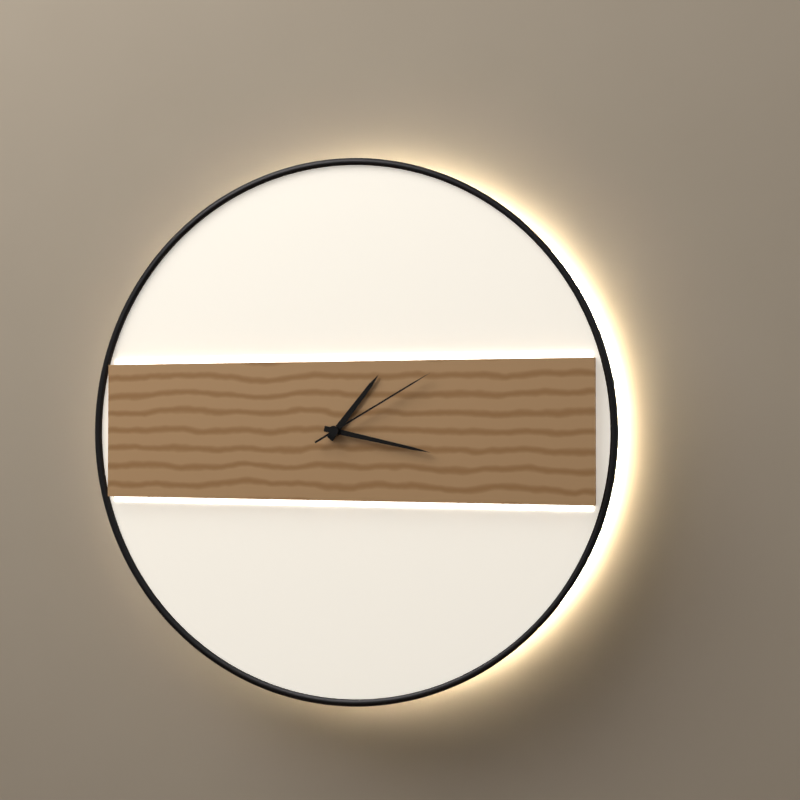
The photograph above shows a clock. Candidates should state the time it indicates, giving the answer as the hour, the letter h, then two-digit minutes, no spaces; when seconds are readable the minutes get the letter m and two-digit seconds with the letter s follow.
1h17m10s
